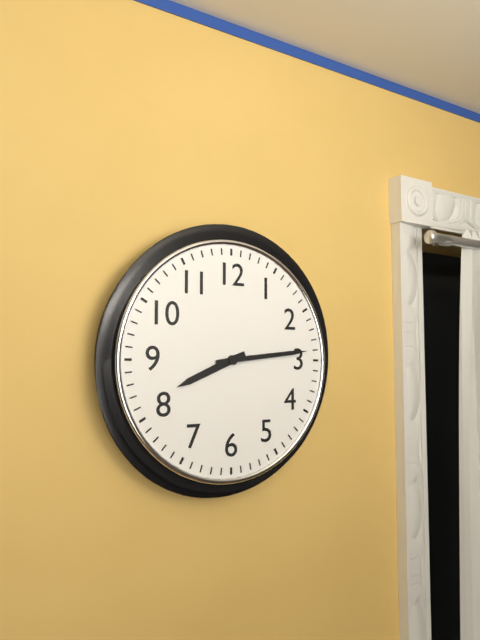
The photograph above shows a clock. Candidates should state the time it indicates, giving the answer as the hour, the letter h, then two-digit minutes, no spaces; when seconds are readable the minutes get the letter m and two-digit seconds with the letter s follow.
8h14
